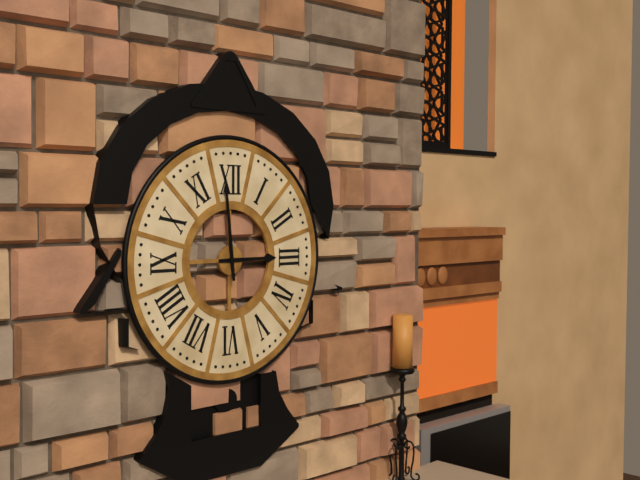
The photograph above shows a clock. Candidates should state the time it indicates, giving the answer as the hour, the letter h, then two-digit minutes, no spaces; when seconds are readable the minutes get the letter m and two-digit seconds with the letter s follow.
2h59
